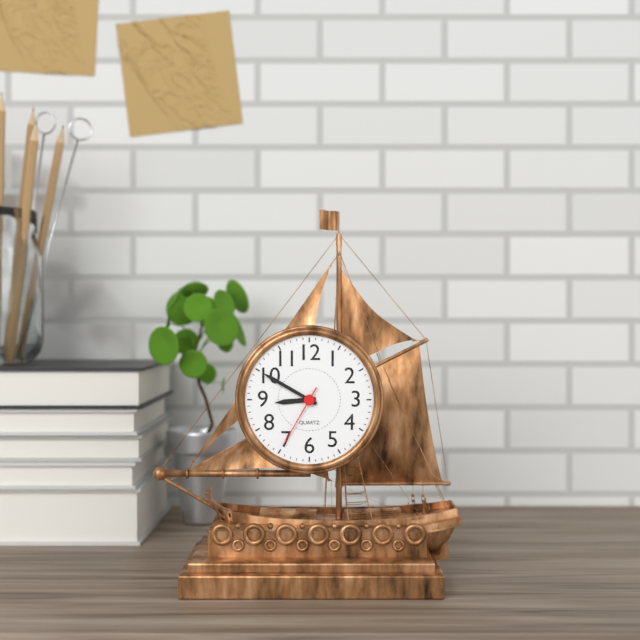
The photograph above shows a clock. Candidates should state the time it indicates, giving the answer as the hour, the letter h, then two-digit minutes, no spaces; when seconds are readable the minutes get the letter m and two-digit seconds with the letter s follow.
8h50m35s
